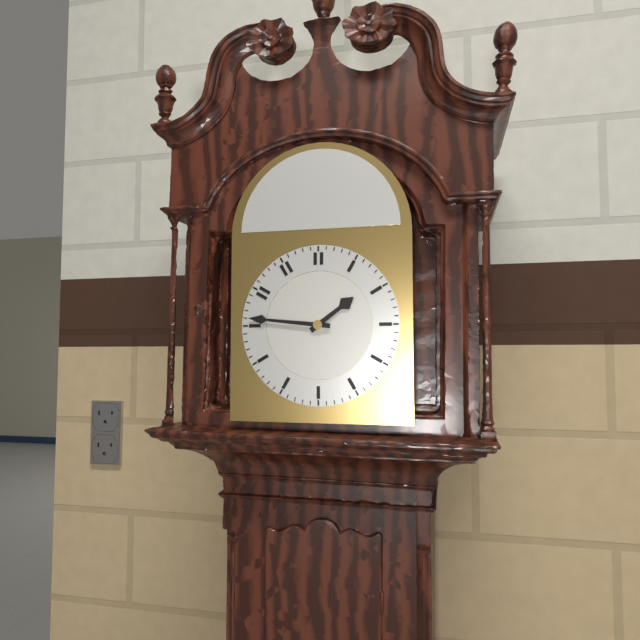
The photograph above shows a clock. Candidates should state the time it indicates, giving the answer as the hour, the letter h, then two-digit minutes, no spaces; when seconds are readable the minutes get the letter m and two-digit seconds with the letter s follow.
1h46
